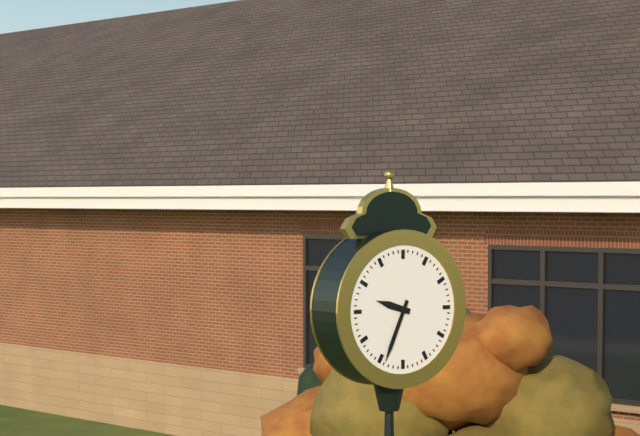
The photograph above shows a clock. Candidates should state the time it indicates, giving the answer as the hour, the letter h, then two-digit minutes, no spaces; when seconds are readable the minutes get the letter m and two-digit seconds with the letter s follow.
9h34
